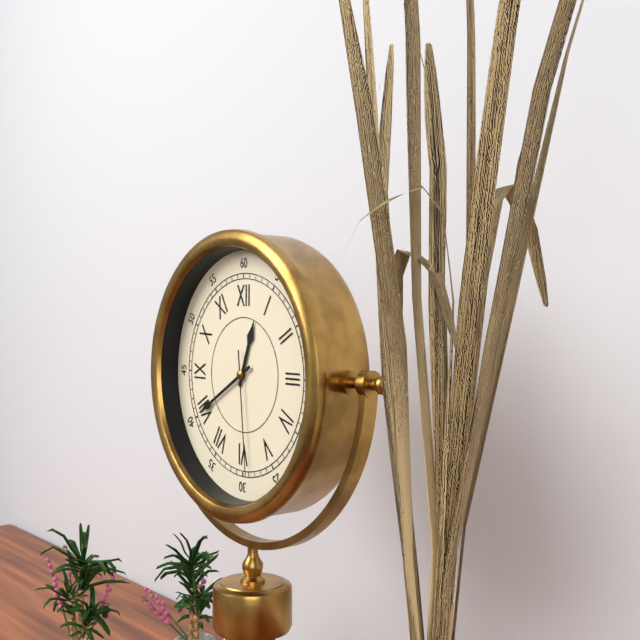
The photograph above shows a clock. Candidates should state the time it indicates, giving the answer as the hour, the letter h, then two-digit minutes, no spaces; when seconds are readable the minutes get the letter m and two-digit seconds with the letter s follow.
12h40m29s
